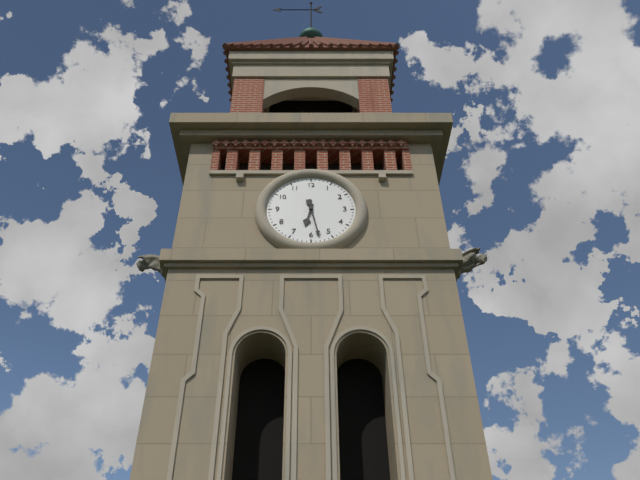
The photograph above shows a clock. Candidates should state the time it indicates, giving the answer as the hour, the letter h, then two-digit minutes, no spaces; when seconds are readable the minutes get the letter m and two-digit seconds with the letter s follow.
6h28
